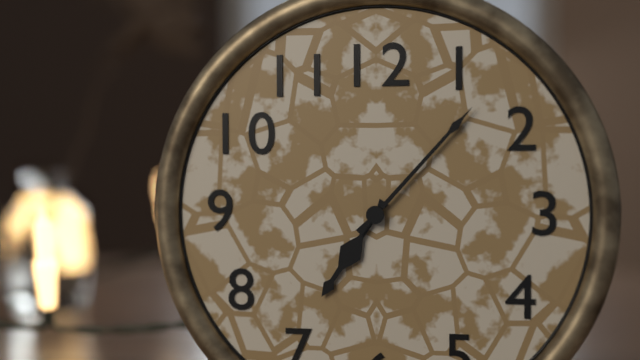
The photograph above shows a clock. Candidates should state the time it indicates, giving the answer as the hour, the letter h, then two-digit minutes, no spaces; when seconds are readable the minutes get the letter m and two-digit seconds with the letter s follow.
7h07
